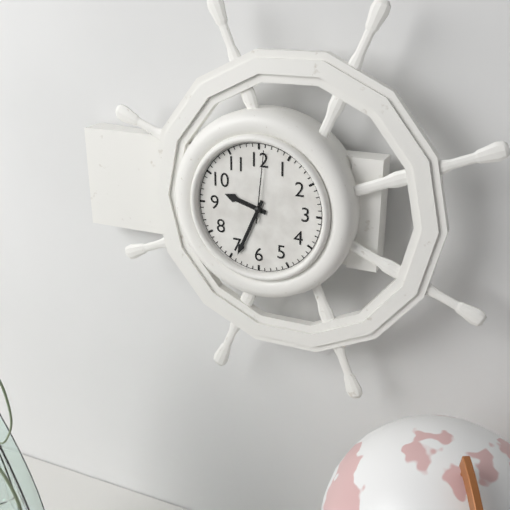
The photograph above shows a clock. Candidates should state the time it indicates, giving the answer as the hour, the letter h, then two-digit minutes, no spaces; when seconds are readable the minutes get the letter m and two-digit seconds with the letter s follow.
9h34m01s
